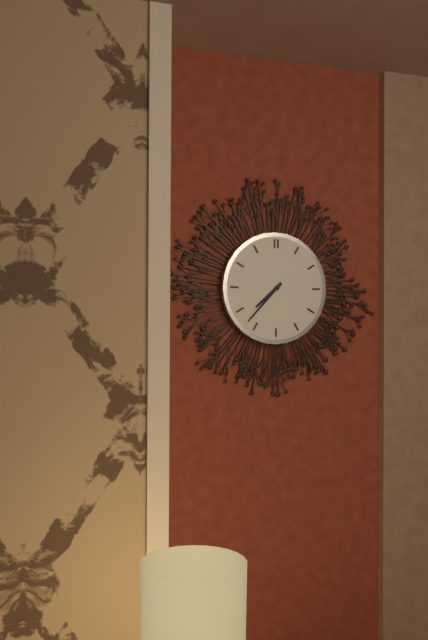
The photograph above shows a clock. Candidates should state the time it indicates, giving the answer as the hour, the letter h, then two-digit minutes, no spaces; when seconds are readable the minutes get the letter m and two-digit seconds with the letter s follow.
7h37
